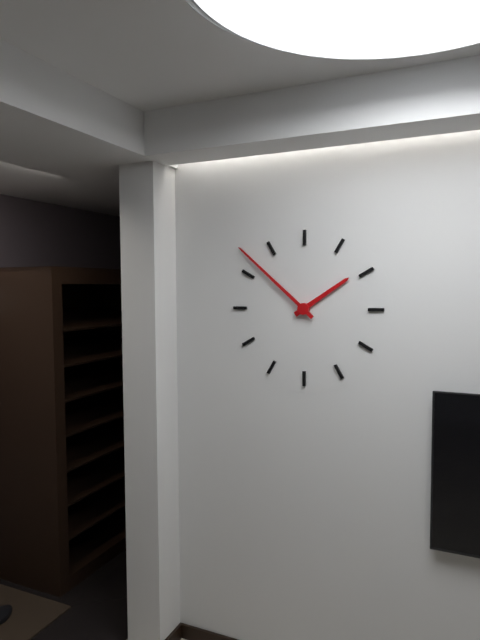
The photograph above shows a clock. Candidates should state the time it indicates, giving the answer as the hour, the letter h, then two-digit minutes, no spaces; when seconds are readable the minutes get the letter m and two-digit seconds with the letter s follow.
1h52
